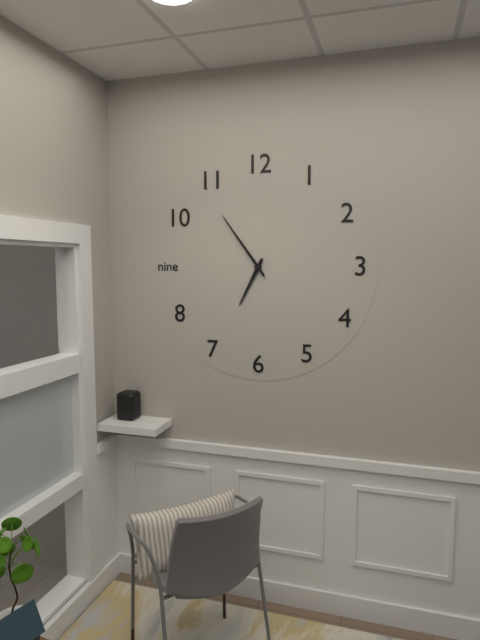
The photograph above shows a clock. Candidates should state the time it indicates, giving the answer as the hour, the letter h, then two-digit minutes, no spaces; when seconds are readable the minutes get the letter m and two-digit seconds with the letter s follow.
6h54
